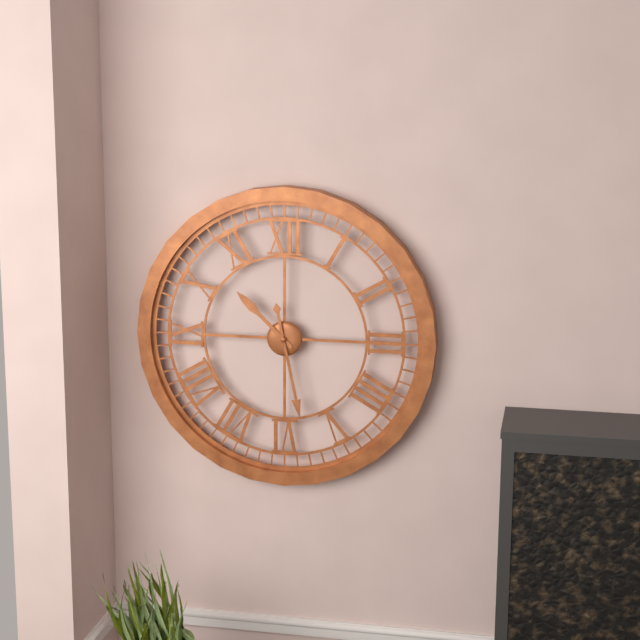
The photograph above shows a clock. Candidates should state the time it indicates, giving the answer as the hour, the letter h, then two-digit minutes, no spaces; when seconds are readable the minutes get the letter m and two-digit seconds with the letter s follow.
10h28
